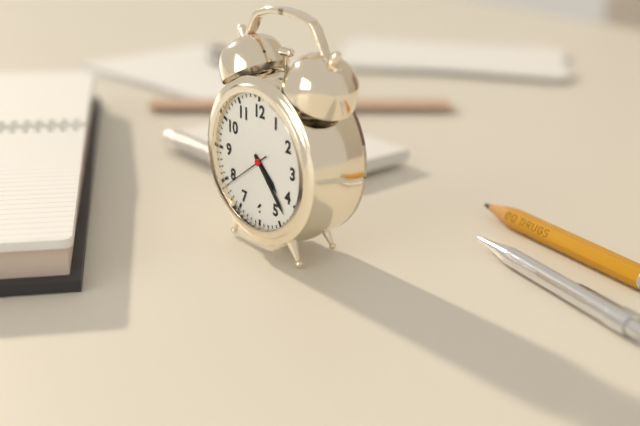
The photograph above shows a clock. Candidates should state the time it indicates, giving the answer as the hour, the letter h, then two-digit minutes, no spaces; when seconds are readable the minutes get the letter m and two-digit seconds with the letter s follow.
4h23
